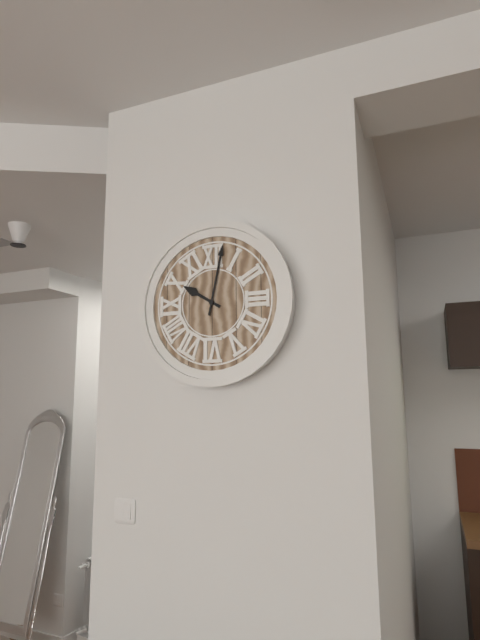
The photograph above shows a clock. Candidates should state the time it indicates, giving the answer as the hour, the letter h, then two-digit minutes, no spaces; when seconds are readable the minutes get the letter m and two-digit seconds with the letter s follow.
10h02
